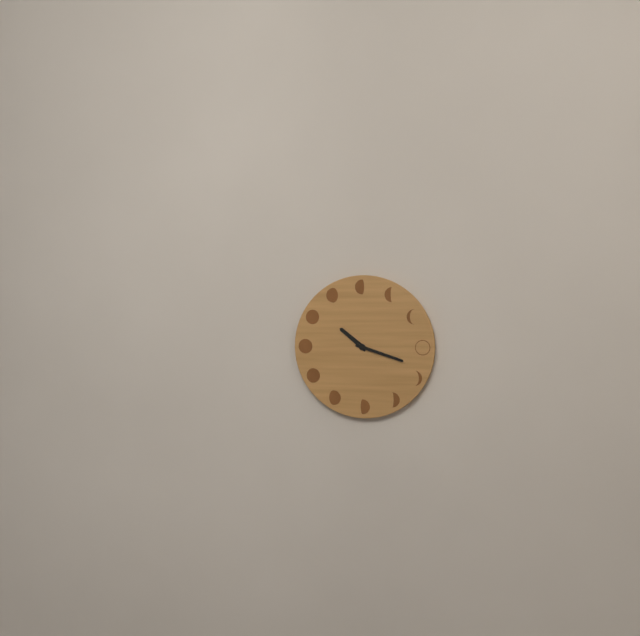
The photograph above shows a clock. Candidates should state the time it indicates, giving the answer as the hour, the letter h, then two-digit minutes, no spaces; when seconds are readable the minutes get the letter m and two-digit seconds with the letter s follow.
10h18
